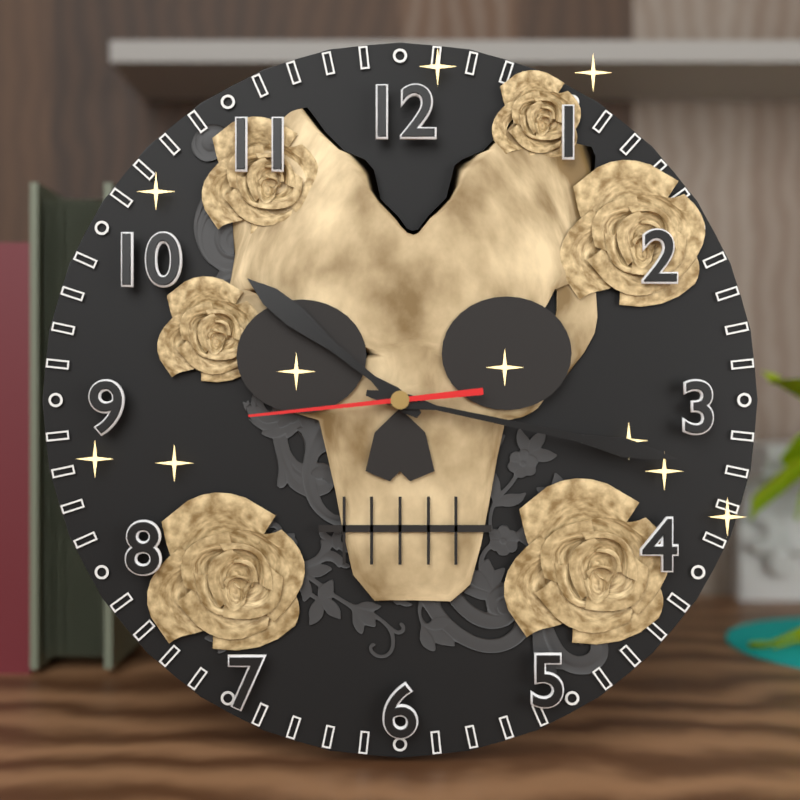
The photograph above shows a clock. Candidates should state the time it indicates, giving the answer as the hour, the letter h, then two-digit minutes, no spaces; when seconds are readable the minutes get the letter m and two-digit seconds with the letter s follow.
10h17m44s
